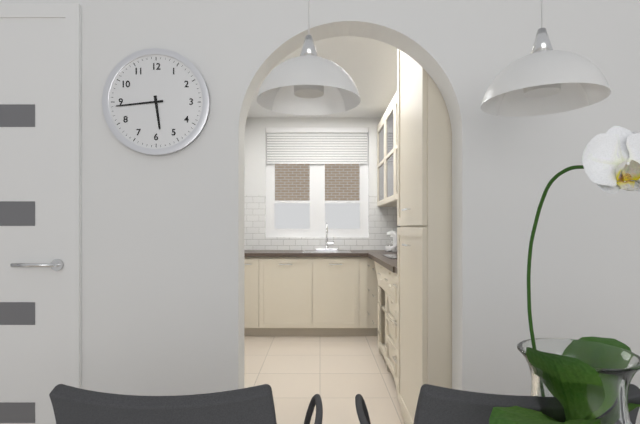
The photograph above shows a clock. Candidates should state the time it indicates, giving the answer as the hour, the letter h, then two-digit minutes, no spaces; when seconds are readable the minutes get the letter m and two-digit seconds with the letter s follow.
5h44
